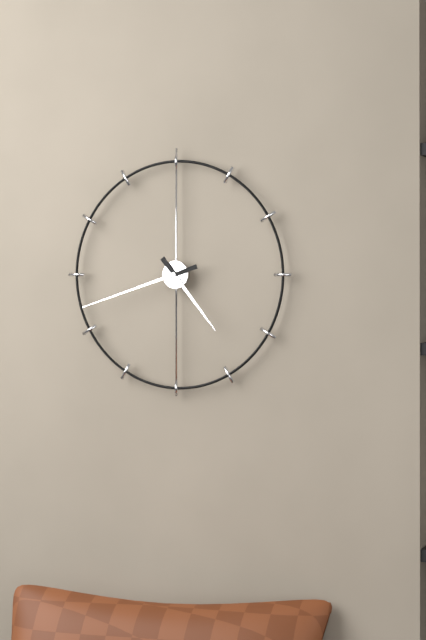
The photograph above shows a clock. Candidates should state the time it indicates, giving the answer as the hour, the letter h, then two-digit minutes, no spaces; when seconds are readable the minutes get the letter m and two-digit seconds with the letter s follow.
4h42
